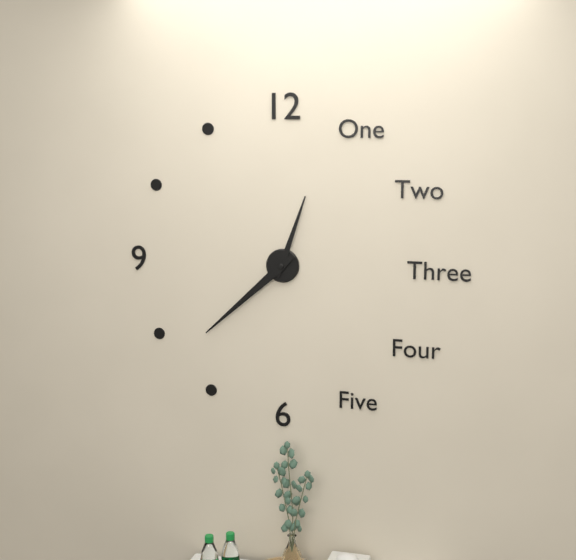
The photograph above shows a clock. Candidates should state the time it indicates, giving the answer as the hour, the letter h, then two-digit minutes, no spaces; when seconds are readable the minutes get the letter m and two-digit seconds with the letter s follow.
12h38
